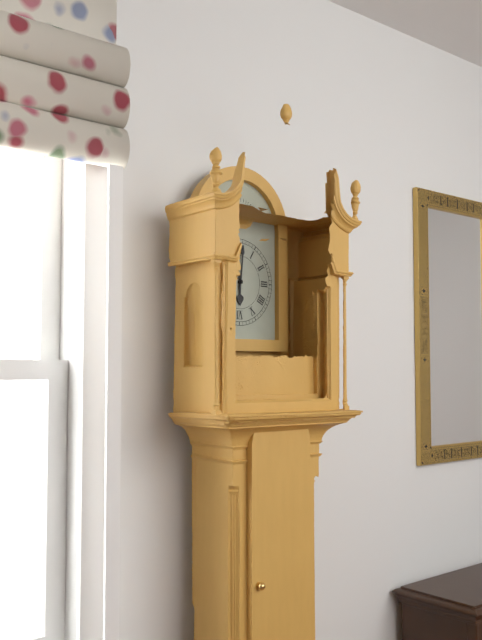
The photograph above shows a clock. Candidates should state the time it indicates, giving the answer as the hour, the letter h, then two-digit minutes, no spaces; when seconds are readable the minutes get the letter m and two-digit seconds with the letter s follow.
6h01
